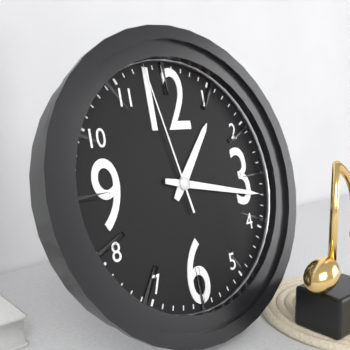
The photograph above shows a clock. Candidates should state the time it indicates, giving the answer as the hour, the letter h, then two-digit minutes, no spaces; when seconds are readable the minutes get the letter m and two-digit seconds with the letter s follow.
1h17m58s
